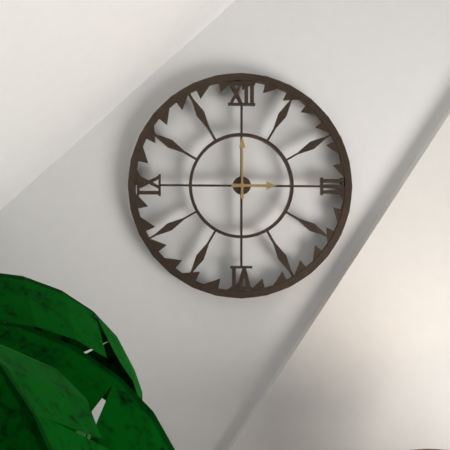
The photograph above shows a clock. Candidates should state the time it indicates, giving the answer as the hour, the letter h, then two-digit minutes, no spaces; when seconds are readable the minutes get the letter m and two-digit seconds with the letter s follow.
3h00
